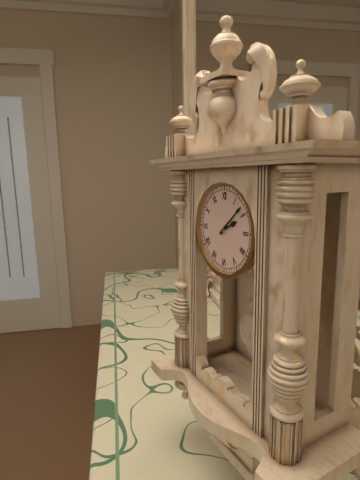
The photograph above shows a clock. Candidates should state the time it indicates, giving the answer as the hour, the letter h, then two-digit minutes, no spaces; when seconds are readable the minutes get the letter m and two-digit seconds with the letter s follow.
2h08
